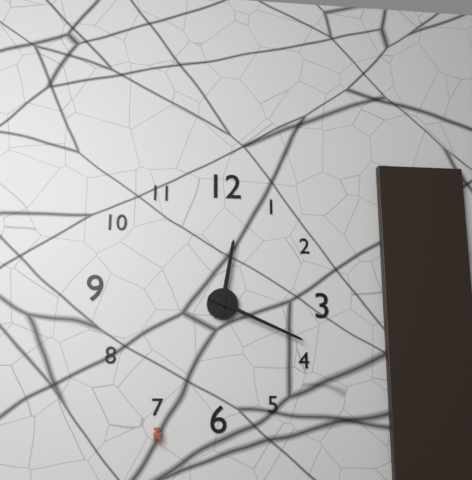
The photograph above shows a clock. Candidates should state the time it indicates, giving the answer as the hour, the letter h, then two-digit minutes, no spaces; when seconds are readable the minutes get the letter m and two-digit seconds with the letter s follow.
12h19
